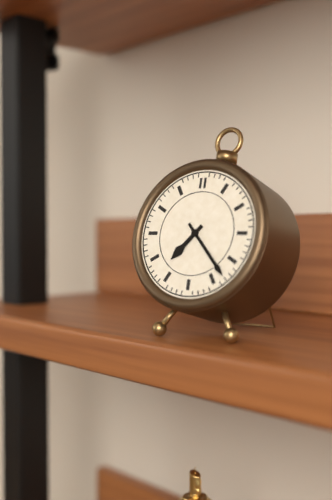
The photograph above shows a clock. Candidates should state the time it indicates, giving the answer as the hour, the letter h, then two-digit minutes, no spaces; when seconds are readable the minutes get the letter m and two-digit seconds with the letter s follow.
7h23
